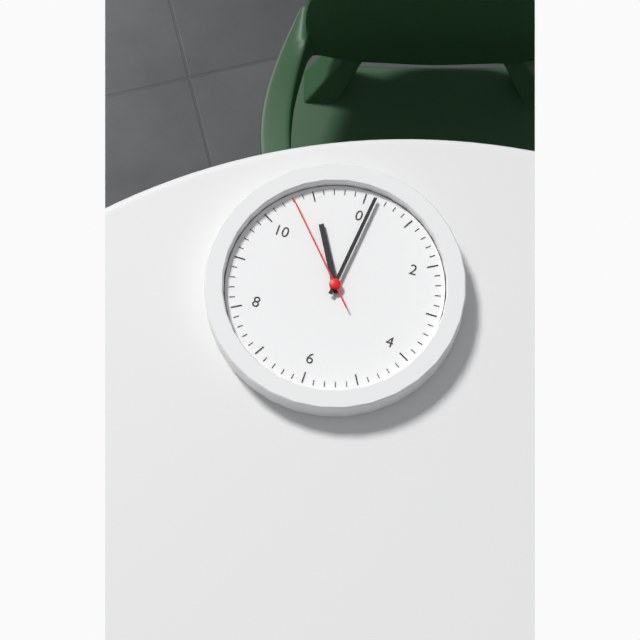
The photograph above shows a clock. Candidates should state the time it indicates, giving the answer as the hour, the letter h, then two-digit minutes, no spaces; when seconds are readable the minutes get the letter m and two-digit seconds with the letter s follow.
11h01m53s
